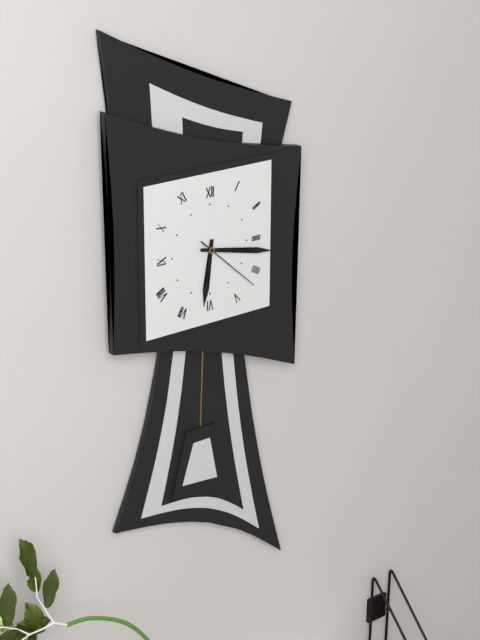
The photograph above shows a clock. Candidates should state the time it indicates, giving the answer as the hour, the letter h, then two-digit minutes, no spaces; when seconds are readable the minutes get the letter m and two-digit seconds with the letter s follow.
6h17m22s
